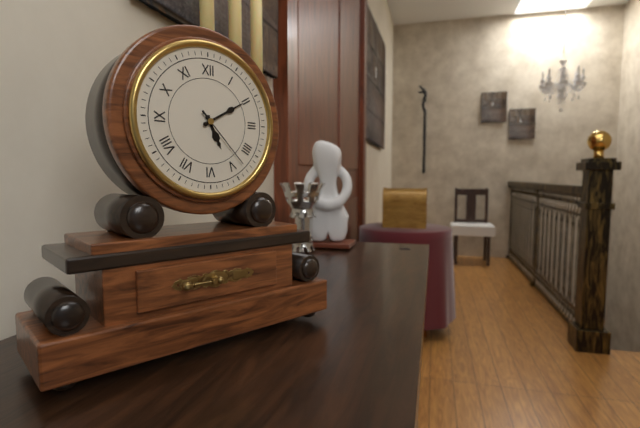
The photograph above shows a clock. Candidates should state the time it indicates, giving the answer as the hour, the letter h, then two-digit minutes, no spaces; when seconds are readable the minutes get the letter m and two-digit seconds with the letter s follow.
5h10m23s
